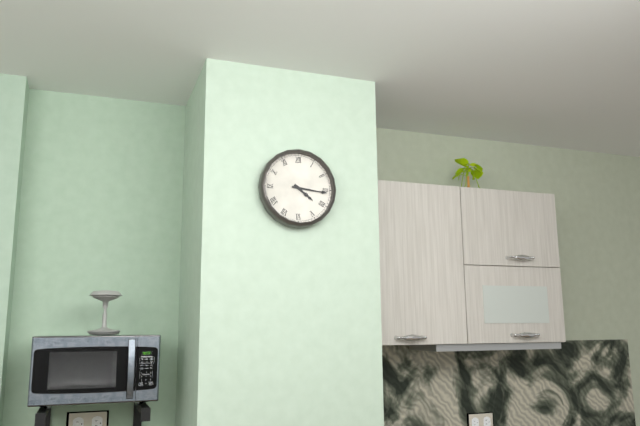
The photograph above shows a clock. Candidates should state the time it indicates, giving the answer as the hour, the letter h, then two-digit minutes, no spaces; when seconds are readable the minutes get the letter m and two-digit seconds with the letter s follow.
4h16
